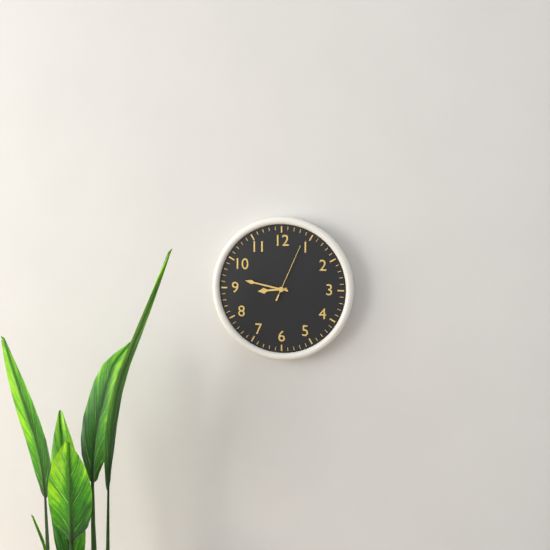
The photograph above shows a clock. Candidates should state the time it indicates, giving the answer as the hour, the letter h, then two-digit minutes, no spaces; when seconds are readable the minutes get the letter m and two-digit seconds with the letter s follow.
8h47m04s
